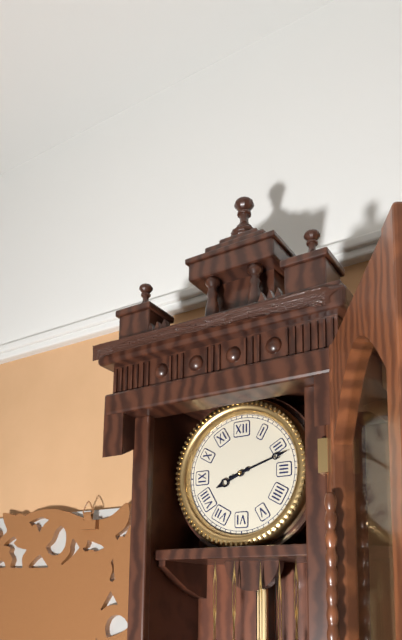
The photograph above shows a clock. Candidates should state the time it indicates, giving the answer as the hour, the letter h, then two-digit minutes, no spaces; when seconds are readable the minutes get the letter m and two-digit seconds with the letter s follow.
8h12
